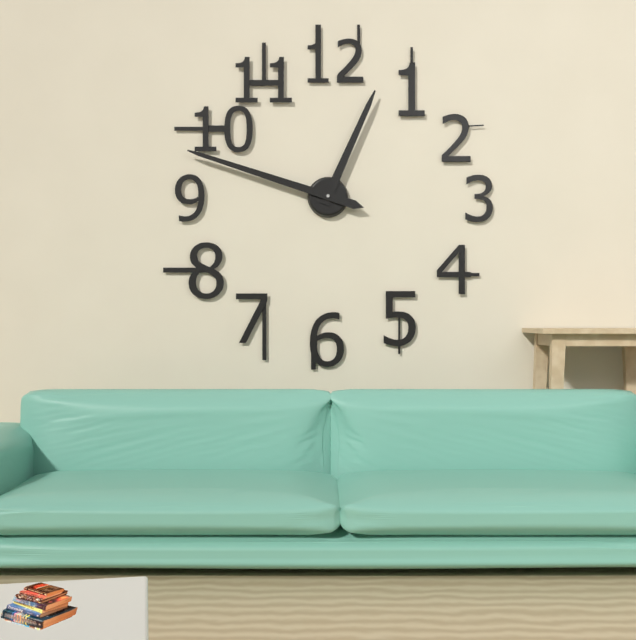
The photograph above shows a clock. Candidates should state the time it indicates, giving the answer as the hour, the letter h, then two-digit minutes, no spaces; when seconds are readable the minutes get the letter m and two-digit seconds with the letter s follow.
12h48
